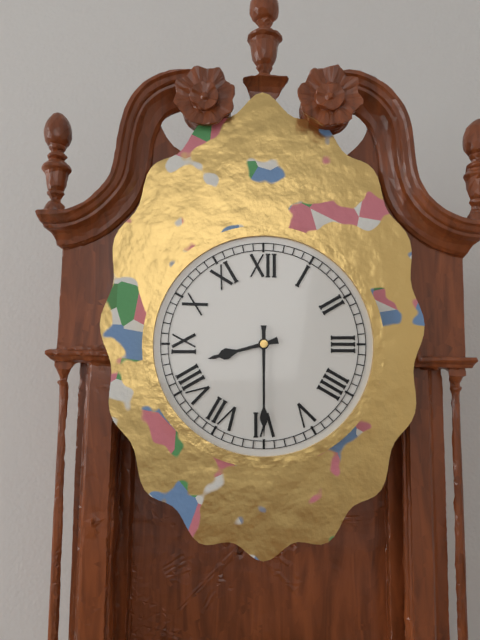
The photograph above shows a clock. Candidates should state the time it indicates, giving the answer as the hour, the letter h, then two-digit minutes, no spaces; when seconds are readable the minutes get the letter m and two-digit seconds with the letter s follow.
8h30
